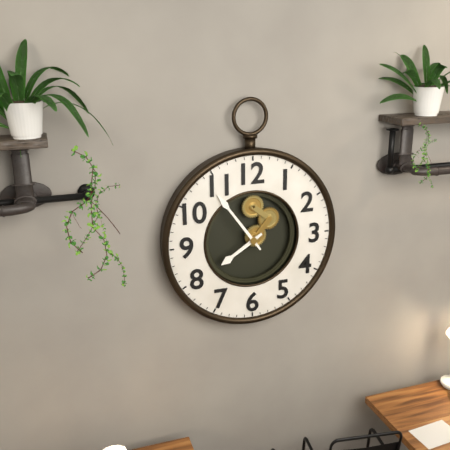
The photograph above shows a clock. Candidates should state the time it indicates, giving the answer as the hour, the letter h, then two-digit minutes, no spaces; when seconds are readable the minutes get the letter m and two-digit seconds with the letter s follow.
7h54
